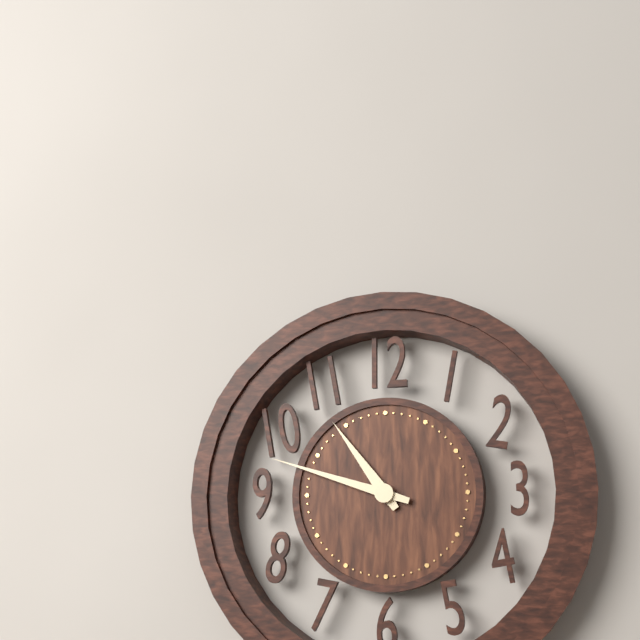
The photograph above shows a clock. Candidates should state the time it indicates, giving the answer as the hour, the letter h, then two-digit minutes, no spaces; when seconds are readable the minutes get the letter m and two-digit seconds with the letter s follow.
10h48
